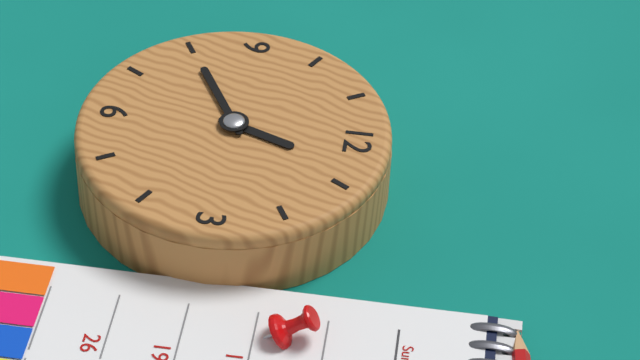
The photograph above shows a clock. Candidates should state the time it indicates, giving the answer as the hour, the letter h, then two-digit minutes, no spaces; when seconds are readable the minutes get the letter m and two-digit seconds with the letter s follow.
12h40
